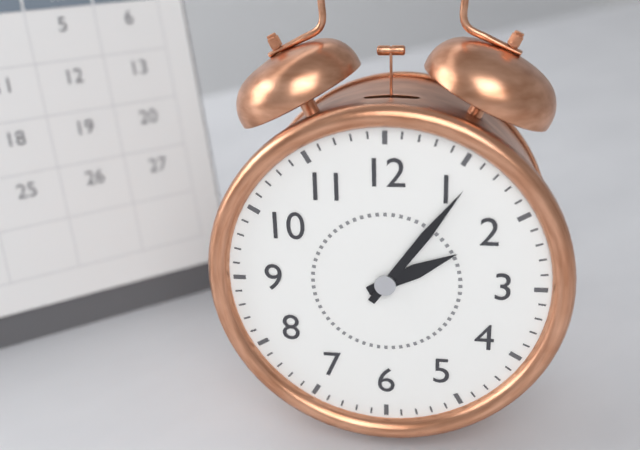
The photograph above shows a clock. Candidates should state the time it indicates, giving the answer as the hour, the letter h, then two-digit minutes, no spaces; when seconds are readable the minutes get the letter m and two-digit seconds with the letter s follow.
2h06
